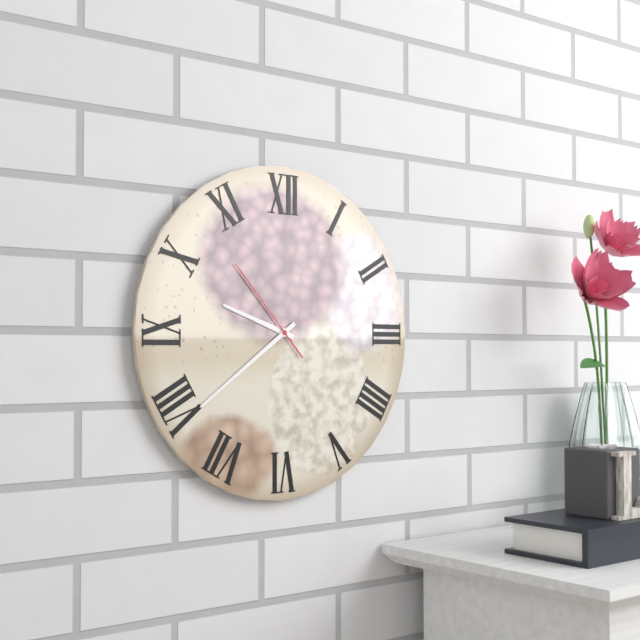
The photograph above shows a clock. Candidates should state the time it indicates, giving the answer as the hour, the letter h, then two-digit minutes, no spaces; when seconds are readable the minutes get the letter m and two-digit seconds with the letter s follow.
9h39m53s
